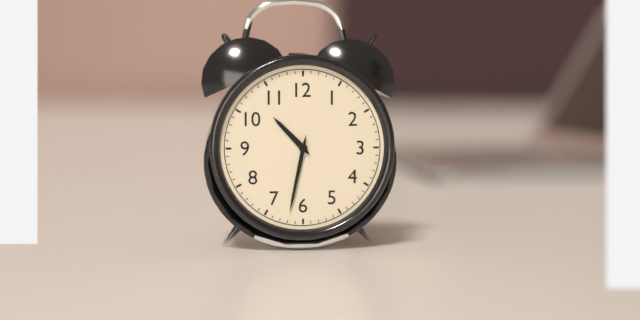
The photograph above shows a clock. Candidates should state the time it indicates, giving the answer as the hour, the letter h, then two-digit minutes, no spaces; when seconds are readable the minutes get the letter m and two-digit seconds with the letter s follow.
10h32
